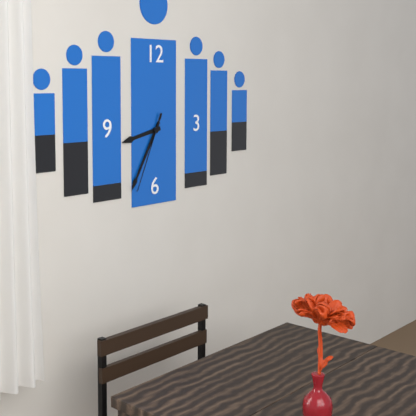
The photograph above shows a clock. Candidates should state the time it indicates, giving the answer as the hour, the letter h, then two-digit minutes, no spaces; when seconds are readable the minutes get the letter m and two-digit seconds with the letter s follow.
8h35m34s
